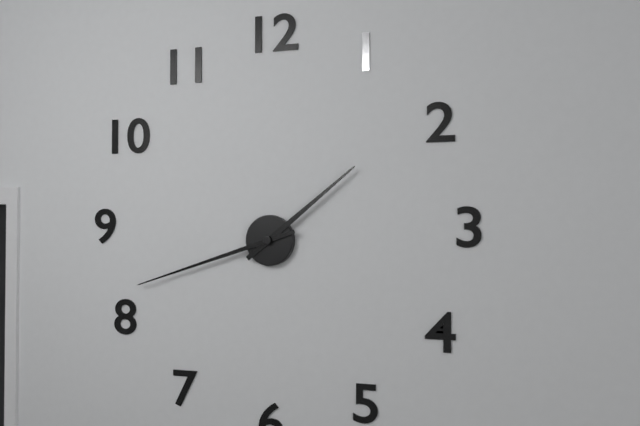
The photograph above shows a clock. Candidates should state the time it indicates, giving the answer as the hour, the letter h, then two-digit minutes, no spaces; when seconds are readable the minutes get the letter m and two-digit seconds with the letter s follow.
1h42
